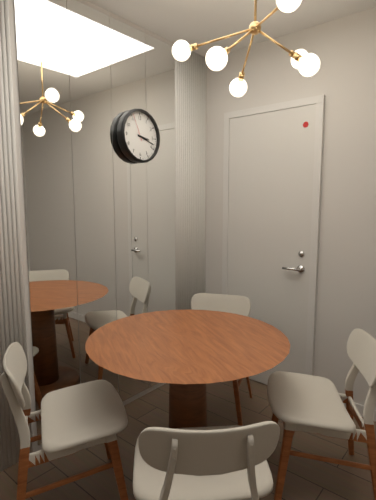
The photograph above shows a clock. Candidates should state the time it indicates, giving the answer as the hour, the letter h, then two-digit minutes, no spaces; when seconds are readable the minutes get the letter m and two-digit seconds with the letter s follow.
3h18
